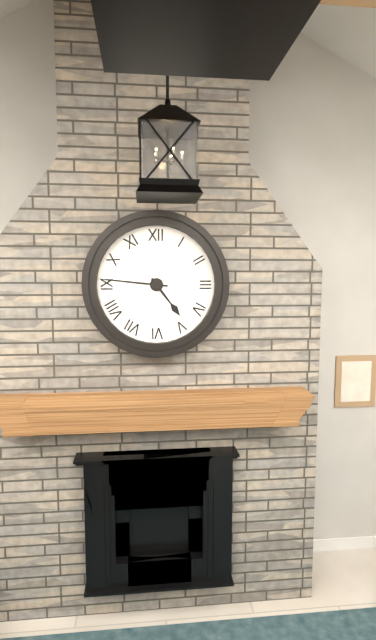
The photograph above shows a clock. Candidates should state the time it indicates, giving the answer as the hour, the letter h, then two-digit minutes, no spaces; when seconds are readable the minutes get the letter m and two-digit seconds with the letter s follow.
4h46
